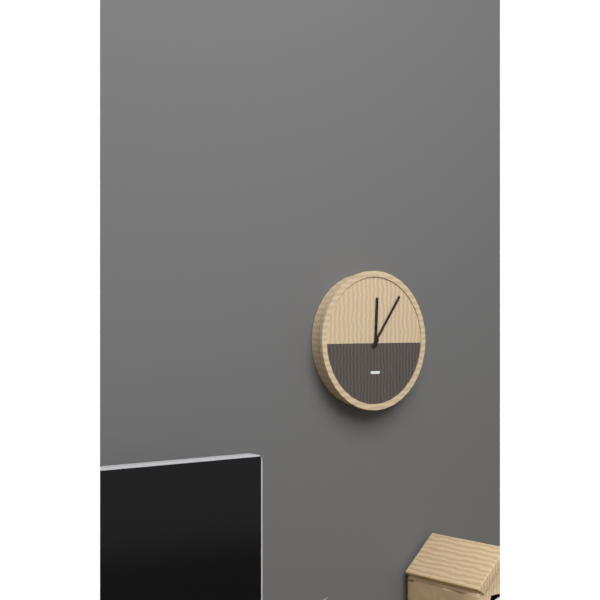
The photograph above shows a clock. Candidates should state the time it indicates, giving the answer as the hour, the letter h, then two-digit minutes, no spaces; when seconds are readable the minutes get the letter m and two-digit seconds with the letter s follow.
12h06
